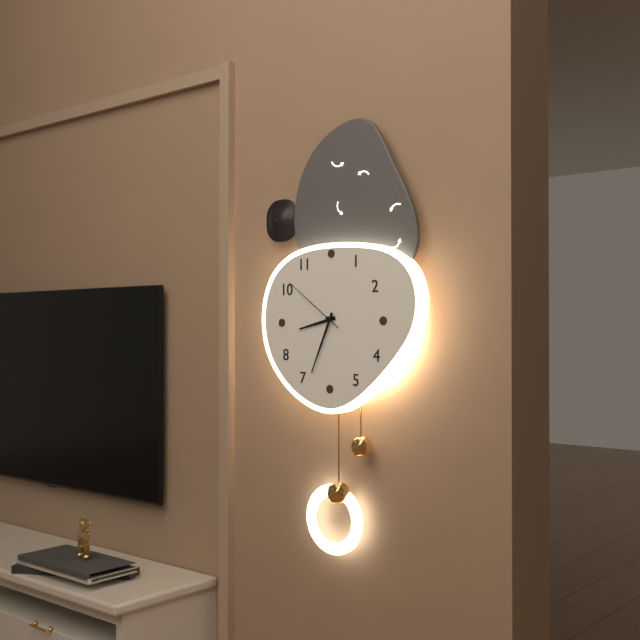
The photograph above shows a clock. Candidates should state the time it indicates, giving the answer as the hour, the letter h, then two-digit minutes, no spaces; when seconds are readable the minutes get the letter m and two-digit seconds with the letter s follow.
8h34m51s
